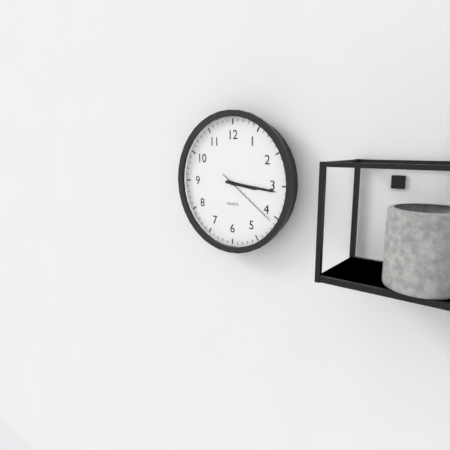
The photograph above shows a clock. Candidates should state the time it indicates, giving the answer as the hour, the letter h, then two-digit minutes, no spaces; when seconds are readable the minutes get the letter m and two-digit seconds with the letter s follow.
3h16m21s
